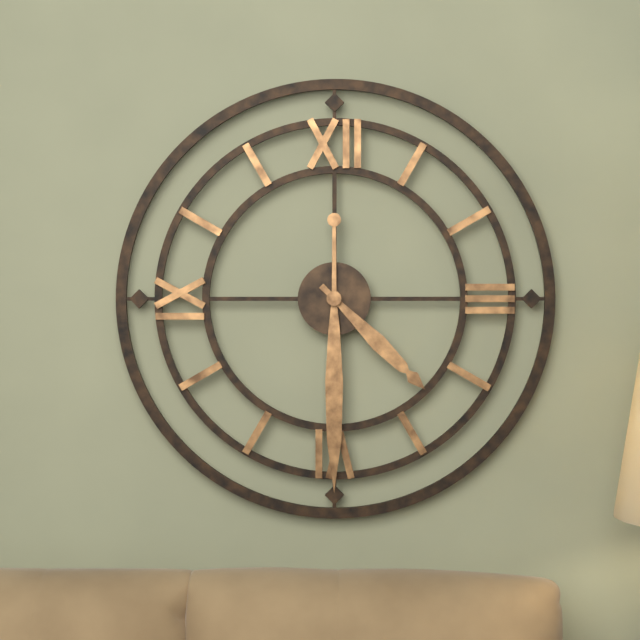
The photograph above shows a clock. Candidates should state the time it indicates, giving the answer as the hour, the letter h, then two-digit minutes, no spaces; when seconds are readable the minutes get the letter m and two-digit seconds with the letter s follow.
4h30
